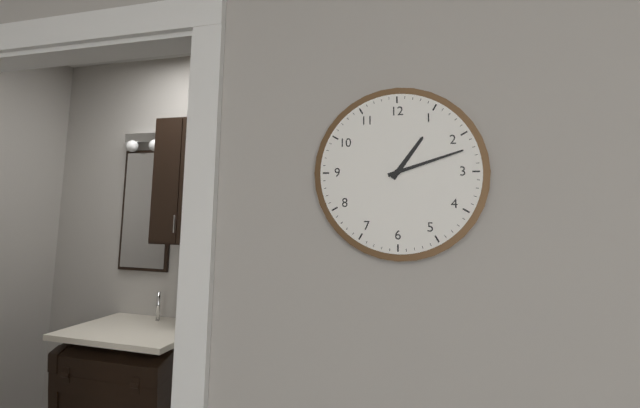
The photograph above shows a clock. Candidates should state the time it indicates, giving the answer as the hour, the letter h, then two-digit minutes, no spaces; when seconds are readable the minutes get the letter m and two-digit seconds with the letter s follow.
1h12
